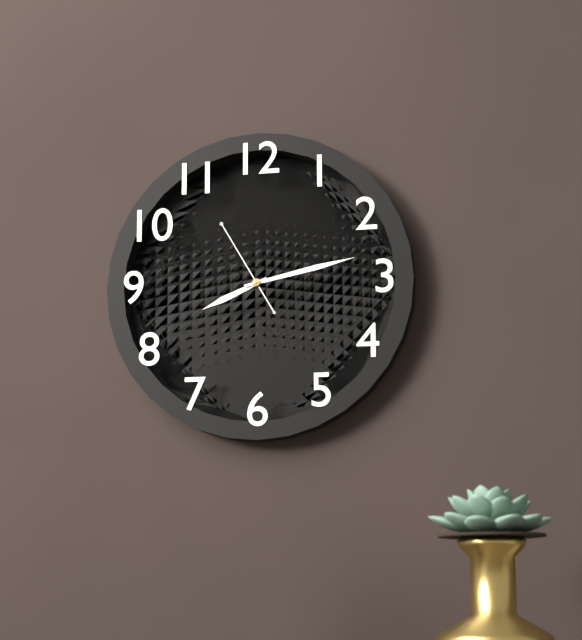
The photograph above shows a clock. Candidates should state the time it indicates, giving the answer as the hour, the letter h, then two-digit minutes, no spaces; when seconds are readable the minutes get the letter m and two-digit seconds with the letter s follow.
8h13m55s
